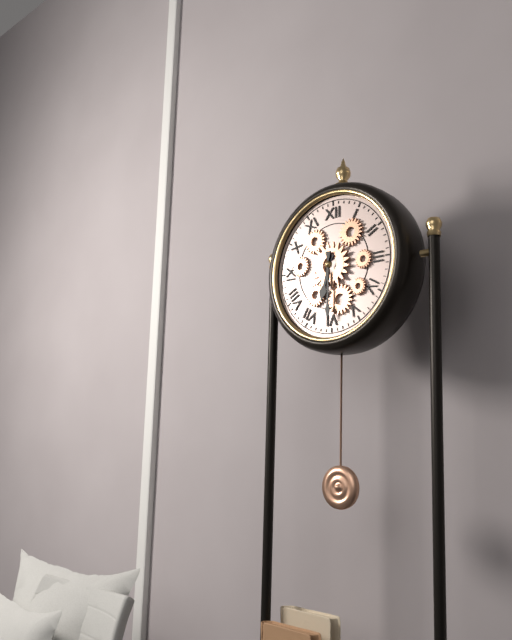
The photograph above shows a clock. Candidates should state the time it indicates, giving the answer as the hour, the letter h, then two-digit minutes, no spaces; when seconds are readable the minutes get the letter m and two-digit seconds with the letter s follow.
6h30
